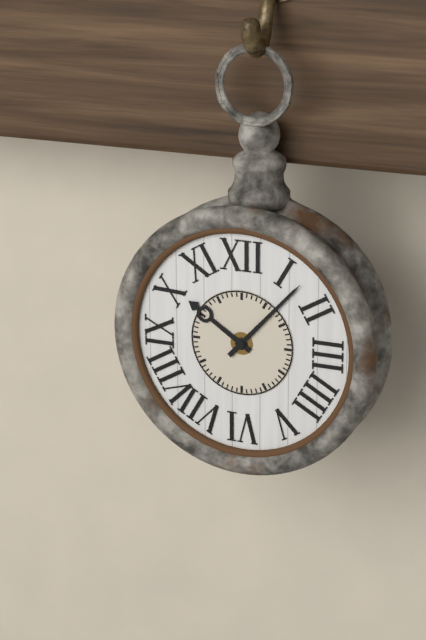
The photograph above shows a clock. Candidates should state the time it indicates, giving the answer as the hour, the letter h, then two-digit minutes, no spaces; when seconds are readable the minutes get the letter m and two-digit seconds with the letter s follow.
10h07
